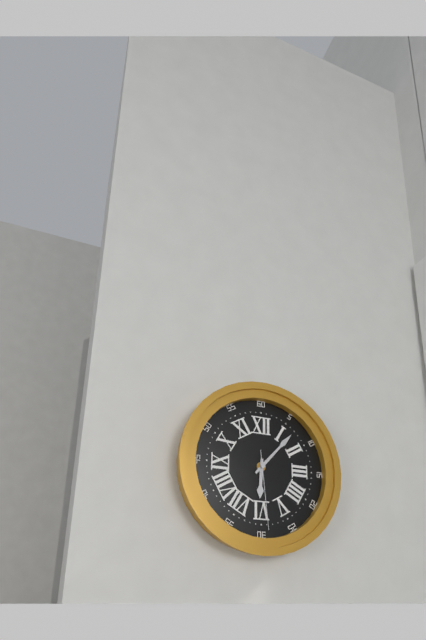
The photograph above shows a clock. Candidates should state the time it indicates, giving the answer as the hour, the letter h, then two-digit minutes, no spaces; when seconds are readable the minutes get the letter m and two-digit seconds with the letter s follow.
6h07m29s
